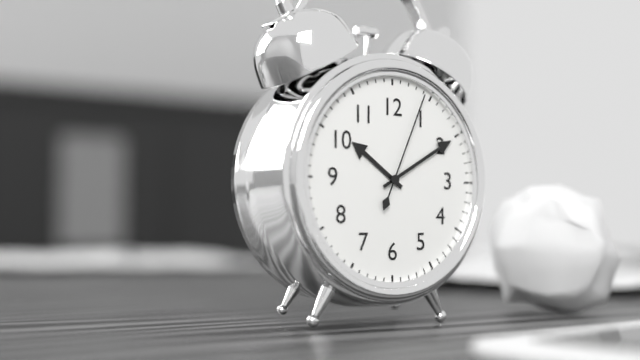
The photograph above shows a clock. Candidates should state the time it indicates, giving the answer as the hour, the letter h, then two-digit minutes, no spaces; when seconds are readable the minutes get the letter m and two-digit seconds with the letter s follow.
10h10m04s
